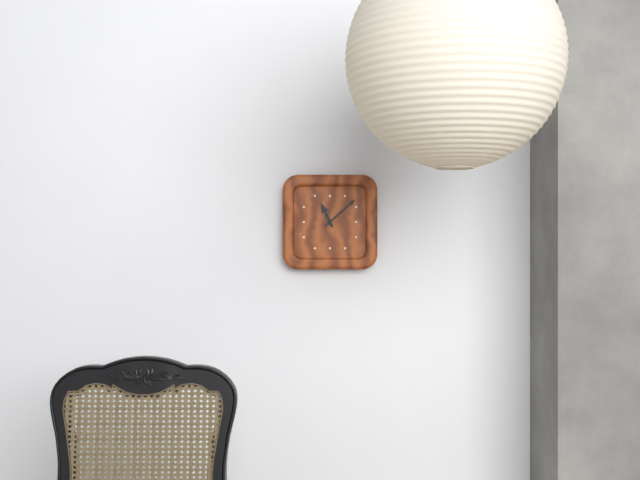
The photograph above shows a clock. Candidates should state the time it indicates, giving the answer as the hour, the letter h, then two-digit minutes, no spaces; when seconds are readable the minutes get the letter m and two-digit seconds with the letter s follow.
11h08
